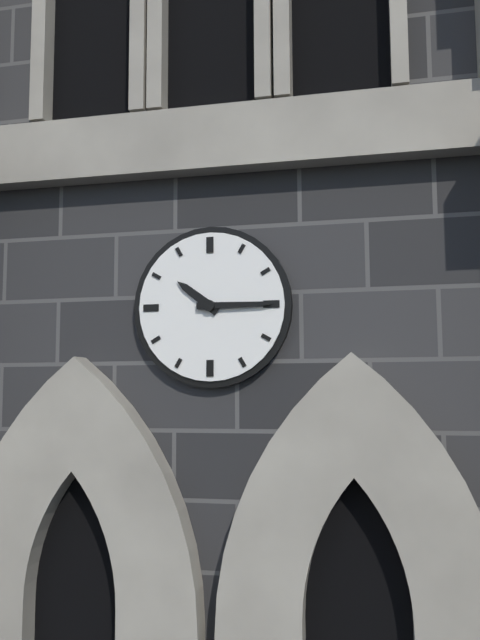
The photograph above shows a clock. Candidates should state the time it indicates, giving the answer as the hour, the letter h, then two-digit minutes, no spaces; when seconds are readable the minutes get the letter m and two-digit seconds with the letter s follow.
10h15
